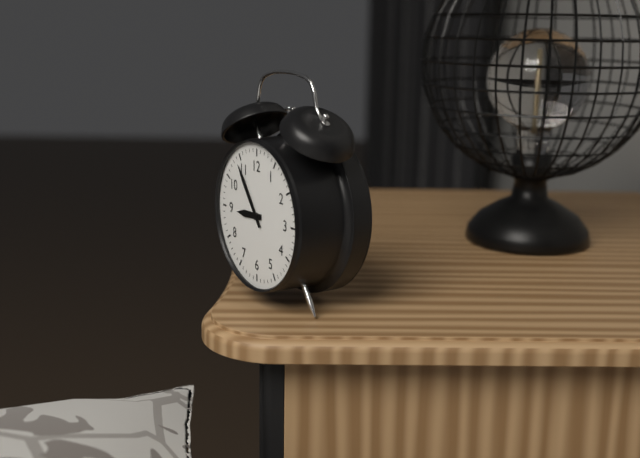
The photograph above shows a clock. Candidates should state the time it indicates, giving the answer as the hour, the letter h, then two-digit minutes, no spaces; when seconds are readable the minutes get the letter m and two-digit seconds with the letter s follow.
8h54
